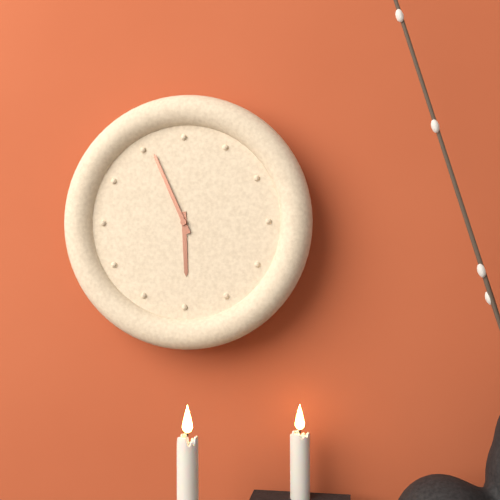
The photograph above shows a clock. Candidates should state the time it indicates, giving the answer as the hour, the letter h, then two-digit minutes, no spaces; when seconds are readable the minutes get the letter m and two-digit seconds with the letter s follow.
5h56
